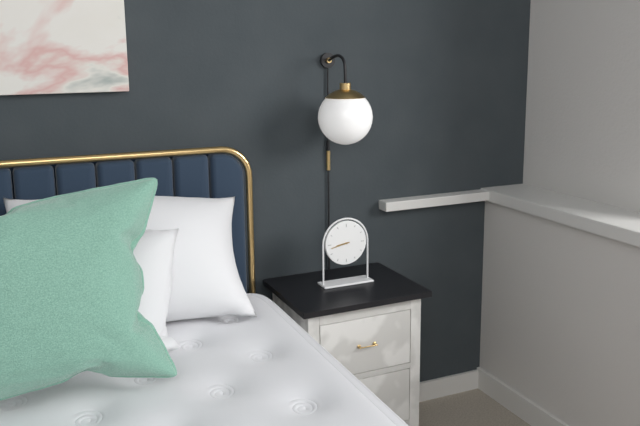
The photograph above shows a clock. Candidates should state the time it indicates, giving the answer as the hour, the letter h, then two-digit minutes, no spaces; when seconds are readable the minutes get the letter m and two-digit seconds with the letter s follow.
8h43
